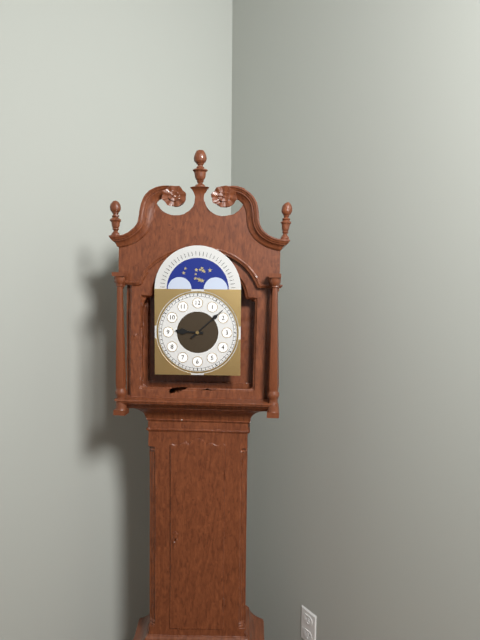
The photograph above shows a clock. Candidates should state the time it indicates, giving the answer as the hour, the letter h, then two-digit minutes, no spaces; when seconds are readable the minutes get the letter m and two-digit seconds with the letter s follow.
9h08
